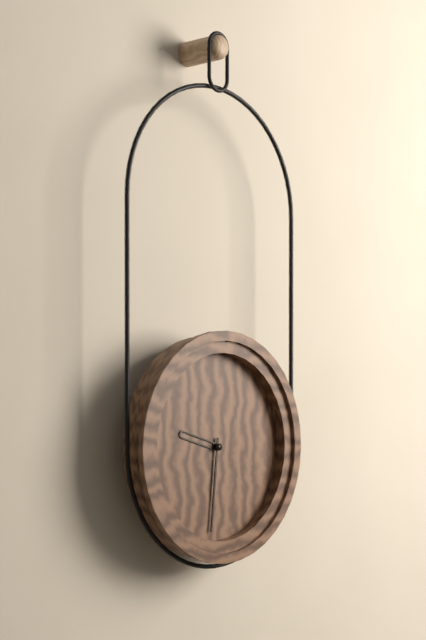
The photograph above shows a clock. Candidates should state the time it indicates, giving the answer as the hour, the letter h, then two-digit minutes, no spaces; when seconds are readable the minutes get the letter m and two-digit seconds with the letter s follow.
9h31
